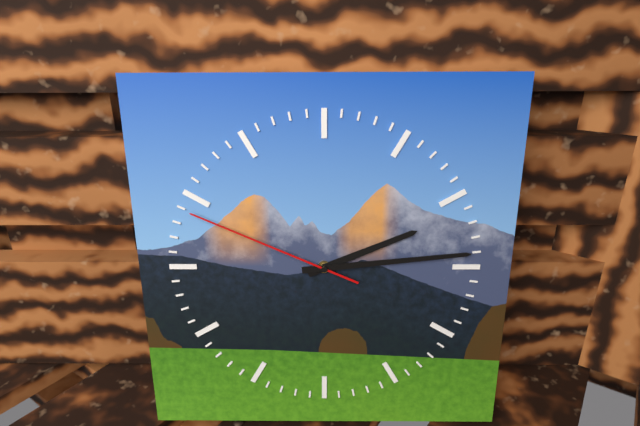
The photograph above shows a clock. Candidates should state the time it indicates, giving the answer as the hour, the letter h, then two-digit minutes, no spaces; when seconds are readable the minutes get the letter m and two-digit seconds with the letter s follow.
2h14m49s
